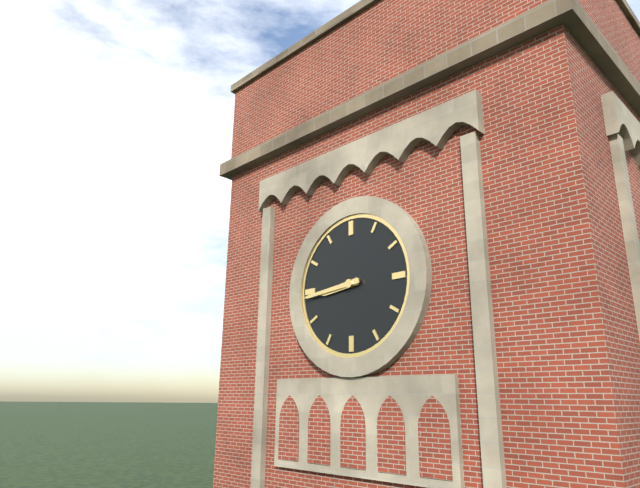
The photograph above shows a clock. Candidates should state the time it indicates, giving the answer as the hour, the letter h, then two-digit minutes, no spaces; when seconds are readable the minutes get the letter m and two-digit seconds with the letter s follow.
8h44
